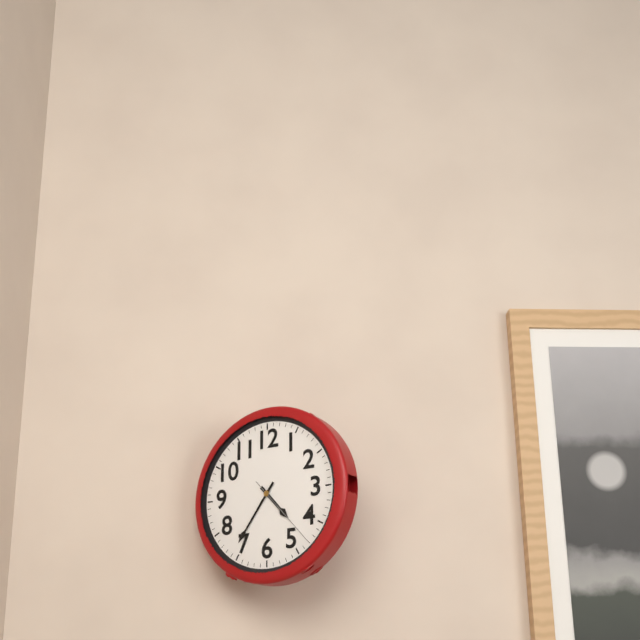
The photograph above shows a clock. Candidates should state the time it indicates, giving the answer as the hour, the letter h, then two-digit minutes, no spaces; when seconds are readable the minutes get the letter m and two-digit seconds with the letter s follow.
4h36m23s
